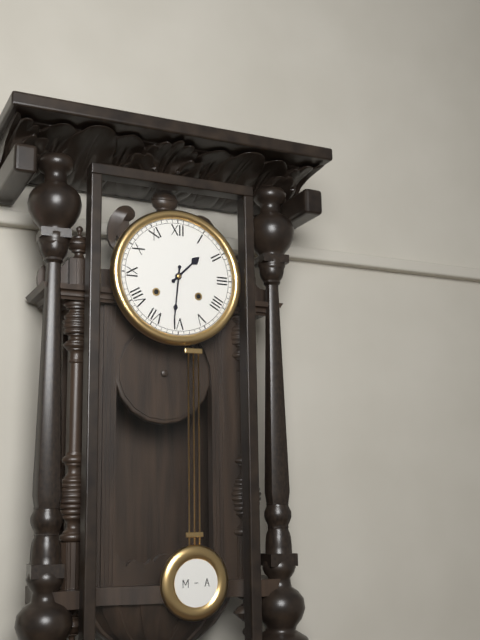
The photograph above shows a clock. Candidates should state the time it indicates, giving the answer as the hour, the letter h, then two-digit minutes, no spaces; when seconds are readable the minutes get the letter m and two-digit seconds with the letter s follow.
1h31
